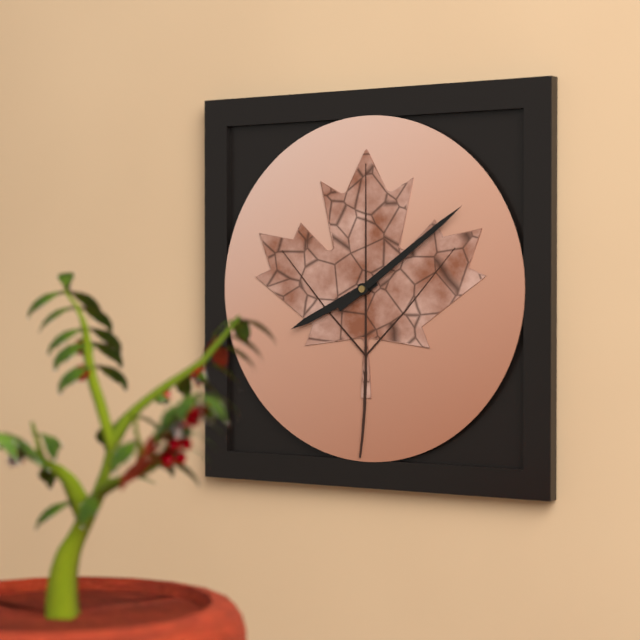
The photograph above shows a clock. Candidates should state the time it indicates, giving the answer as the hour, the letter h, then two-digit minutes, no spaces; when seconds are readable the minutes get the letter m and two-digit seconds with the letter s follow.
8h09
